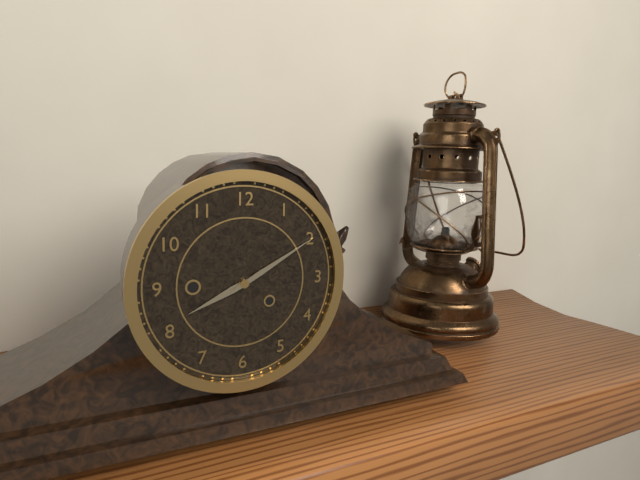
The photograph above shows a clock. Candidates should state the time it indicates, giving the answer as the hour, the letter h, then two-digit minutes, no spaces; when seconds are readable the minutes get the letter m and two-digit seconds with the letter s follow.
8h10
